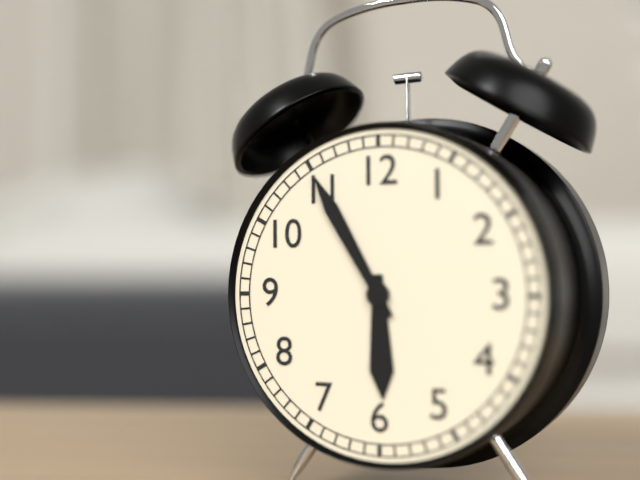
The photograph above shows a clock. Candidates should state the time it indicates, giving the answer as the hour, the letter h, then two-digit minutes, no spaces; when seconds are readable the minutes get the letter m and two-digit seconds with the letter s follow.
5h55
